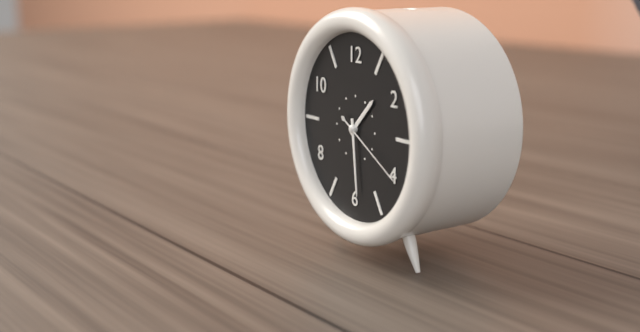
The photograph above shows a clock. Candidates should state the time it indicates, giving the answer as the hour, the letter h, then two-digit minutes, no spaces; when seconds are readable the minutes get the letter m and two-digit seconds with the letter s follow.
1h29m20s
